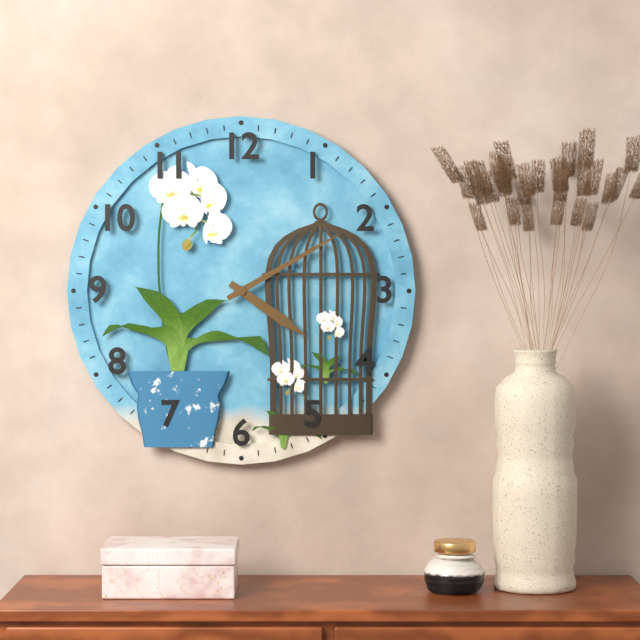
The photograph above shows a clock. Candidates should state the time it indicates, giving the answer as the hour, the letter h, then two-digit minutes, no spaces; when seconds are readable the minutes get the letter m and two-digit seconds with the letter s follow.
4h10
